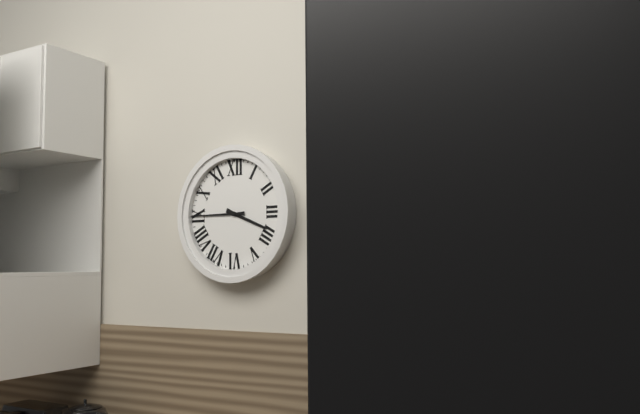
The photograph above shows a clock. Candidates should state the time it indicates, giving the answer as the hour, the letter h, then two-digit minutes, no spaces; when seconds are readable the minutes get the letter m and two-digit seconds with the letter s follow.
3h45
